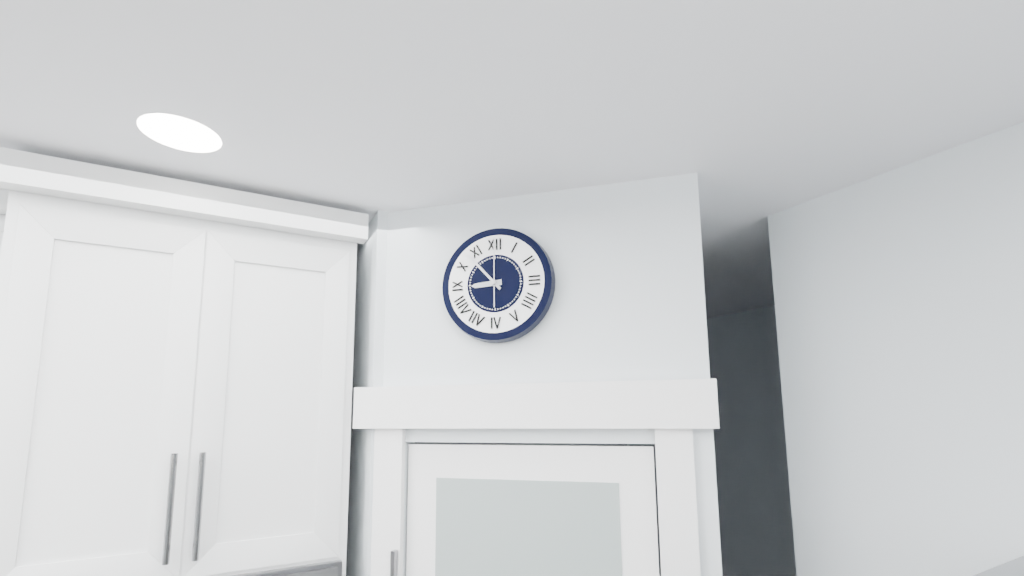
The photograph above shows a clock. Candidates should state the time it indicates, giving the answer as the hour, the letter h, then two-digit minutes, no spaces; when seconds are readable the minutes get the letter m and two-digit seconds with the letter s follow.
8h53m00s
